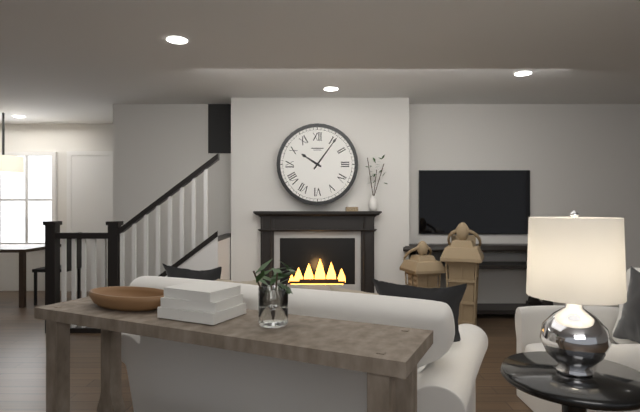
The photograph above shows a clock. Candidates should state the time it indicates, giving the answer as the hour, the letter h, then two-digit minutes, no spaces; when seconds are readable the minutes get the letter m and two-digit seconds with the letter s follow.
10h06
